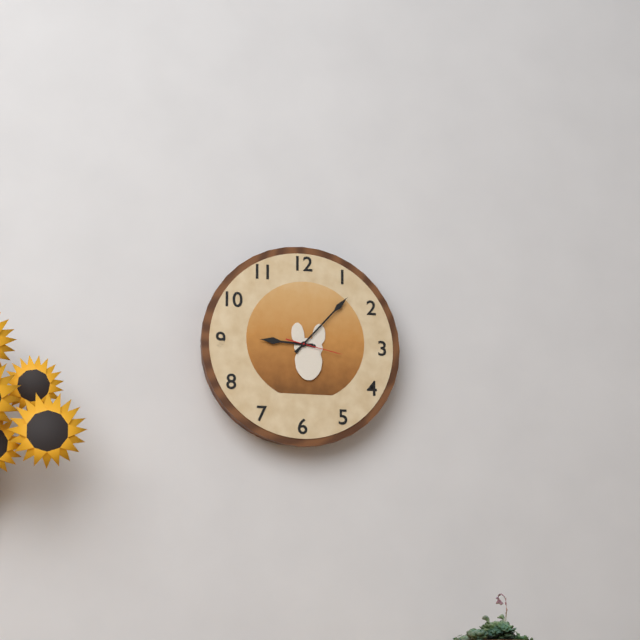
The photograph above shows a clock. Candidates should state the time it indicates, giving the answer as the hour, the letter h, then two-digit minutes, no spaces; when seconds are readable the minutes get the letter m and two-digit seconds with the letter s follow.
9h07m17s
